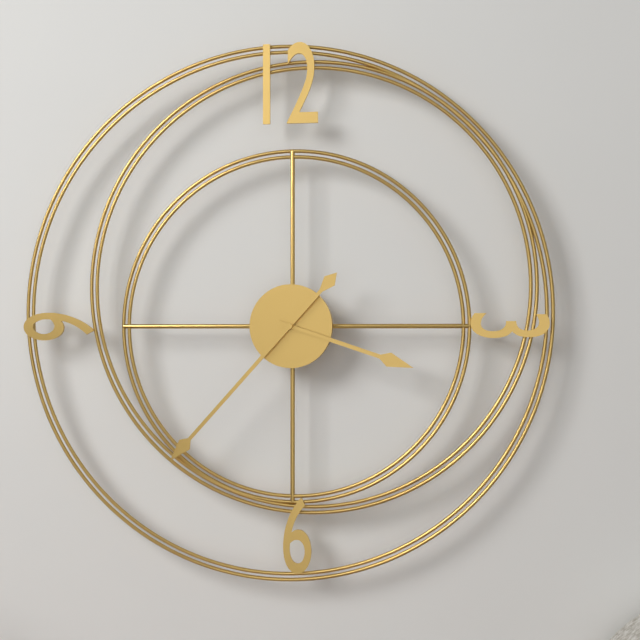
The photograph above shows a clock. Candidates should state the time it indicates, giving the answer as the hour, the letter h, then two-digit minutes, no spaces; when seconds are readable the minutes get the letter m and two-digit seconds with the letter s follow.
3h37
